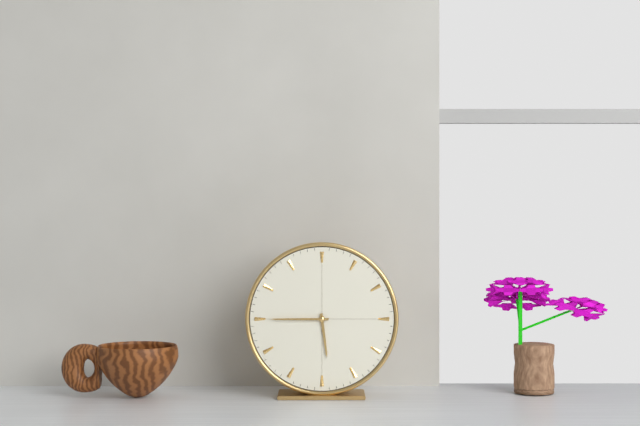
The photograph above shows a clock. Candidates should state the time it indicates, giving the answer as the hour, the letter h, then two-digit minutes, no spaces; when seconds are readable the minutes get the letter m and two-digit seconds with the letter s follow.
5h45
